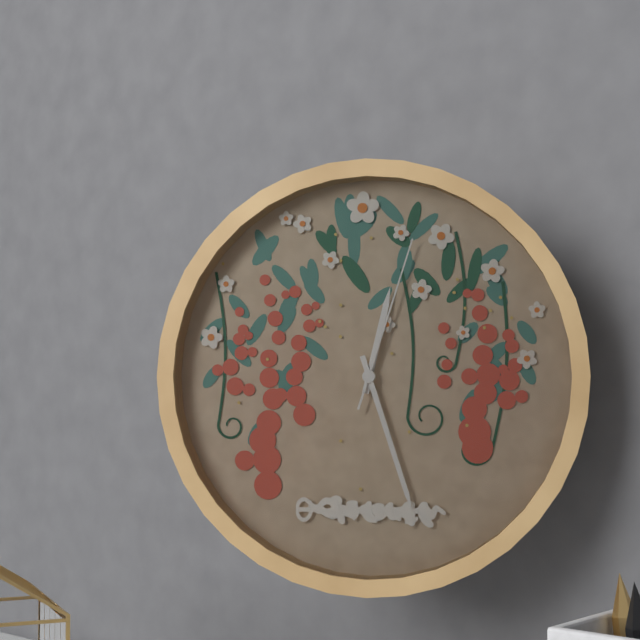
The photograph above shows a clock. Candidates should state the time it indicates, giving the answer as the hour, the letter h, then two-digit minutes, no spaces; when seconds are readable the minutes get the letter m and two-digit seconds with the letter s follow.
12h27m03s
